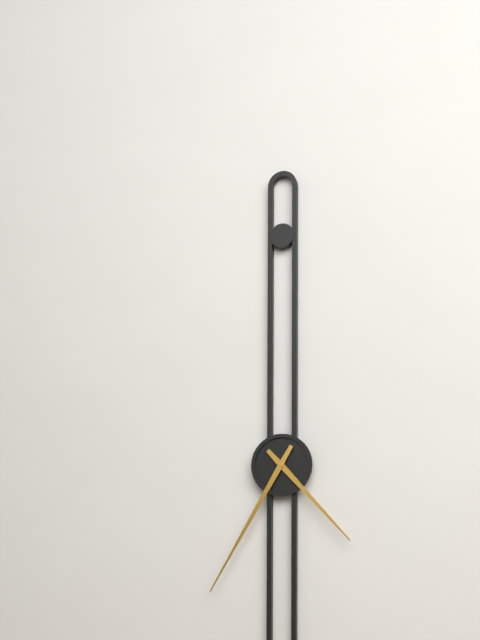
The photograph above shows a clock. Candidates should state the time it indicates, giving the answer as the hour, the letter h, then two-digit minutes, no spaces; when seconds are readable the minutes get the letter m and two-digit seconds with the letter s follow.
4h35
